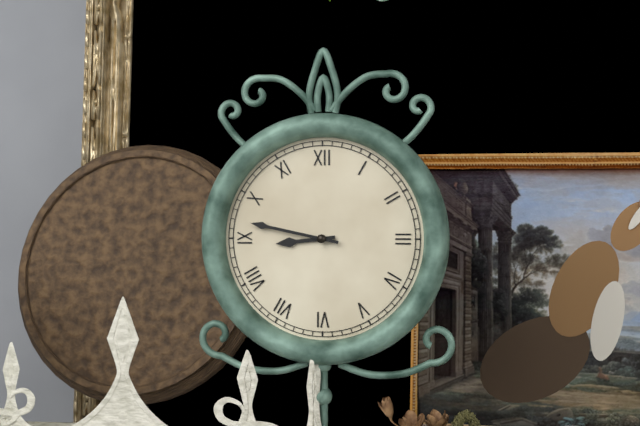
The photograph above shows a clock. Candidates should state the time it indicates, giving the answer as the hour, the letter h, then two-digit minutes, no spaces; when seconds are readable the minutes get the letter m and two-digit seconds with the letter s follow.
8h47
